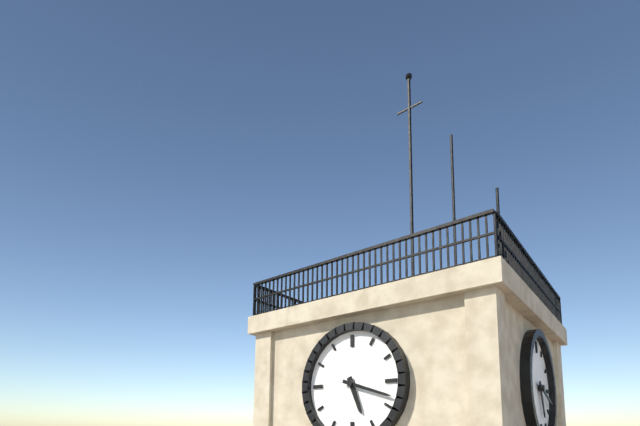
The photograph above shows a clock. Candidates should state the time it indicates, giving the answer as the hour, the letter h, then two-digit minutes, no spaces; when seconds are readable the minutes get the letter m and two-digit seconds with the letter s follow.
5h18
